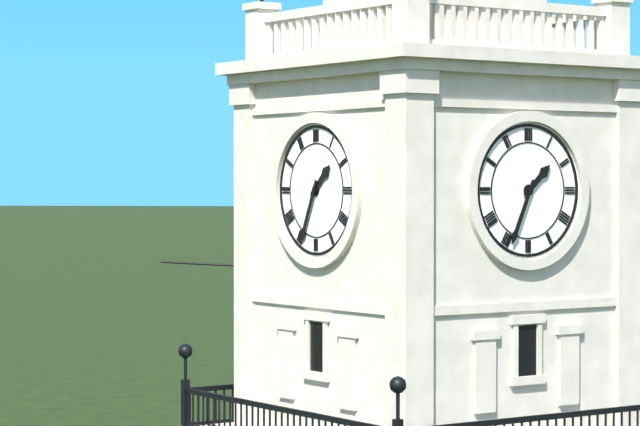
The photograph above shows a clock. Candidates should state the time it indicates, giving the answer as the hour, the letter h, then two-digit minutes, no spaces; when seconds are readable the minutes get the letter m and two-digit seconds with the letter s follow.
1h34
